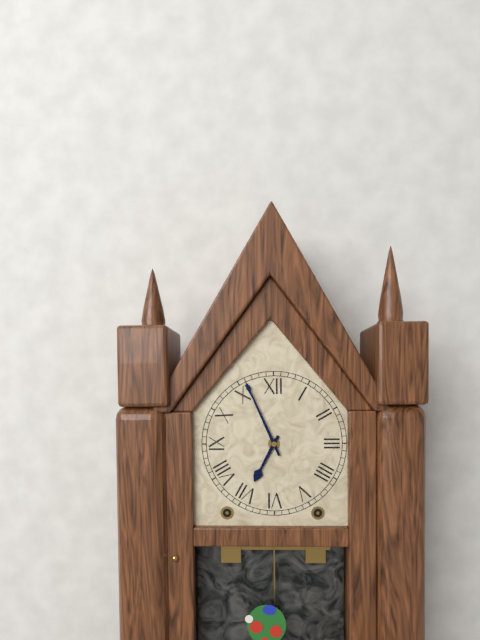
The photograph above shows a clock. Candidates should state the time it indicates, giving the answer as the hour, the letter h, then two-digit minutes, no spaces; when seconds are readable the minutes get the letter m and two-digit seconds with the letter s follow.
6h56
